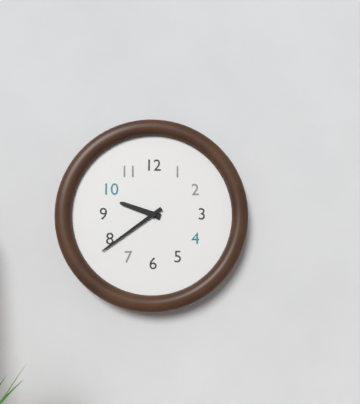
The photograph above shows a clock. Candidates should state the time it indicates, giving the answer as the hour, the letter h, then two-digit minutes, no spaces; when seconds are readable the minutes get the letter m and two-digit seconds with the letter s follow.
9h39
